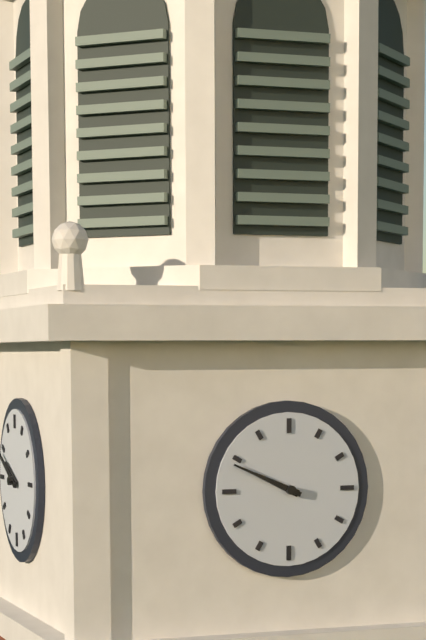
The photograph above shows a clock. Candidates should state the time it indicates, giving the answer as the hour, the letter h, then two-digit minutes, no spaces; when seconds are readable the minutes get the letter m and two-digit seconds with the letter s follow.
9h49
